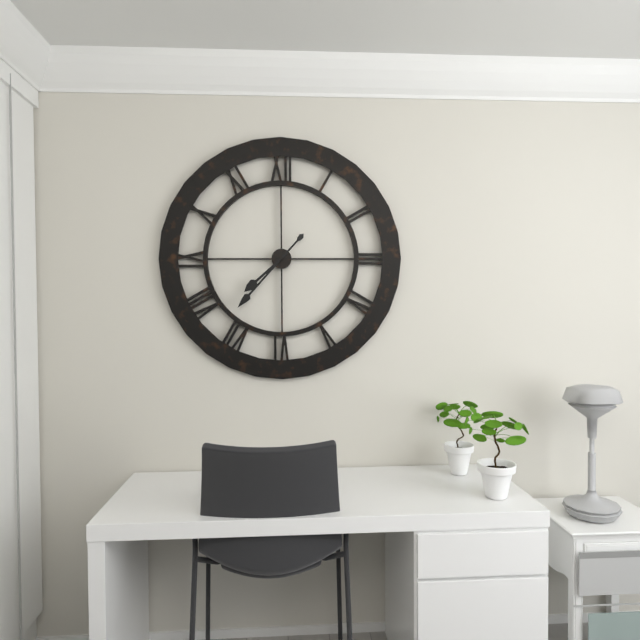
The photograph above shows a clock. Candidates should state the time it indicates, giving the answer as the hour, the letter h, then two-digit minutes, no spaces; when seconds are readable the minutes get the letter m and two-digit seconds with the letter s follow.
7h37
